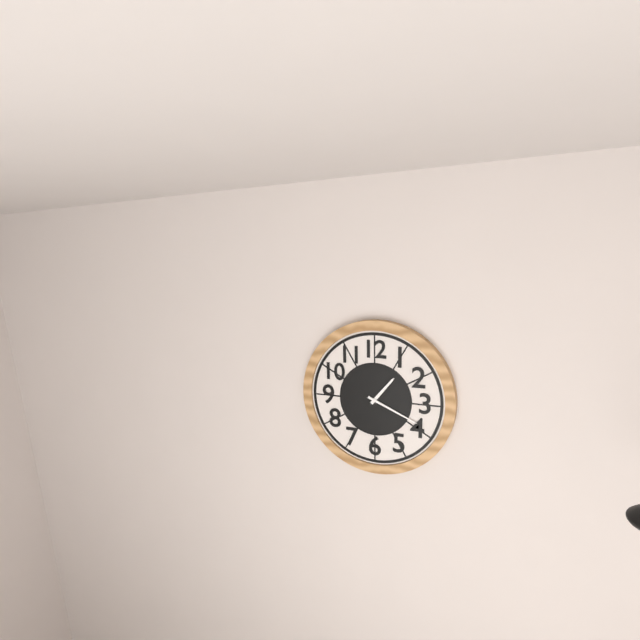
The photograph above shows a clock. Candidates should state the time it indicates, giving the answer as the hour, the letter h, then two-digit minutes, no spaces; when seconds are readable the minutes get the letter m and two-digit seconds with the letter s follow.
1h19
